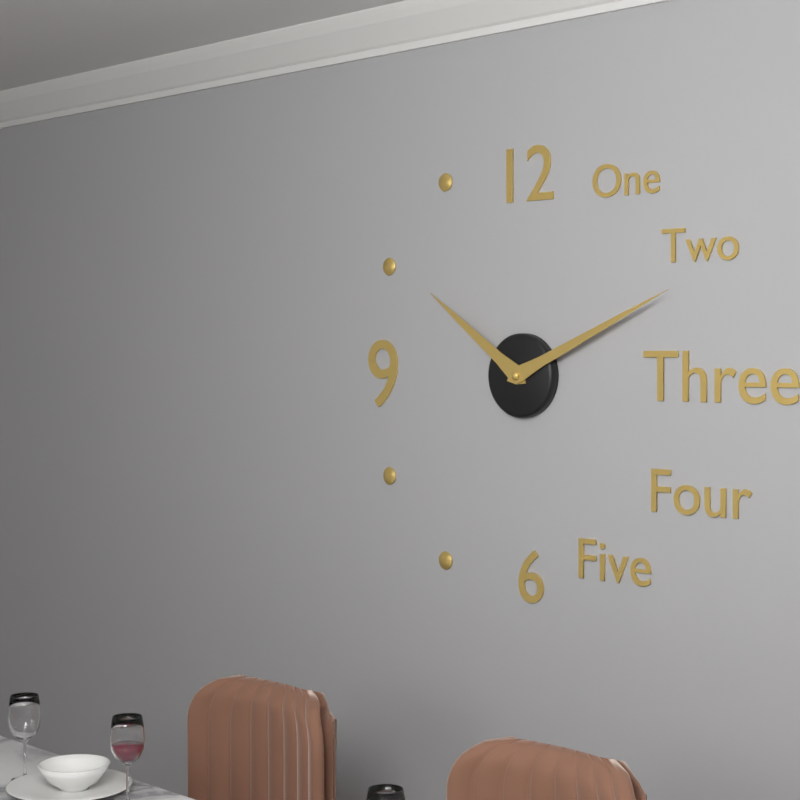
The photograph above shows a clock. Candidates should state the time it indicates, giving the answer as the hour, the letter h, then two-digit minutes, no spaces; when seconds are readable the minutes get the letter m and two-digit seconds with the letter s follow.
10h11
